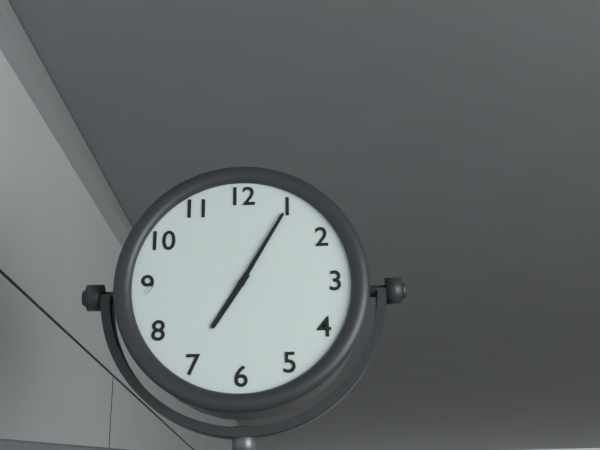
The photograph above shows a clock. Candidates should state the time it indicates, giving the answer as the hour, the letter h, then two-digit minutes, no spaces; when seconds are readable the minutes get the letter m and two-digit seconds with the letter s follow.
7h05
